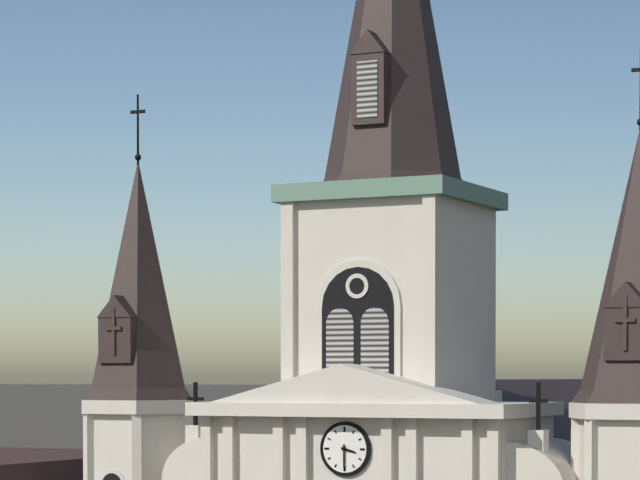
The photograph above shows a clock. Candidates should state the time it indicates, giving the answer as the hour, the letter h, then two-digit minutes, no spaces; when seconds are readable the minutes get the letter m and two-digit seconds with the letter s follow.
3h30
